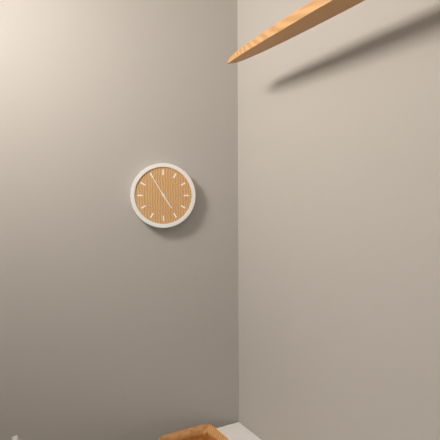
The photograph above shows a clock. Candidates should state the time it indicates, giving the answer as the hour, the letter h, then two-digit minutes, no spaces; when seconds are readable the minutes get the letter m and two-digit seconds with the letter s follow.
4h55
